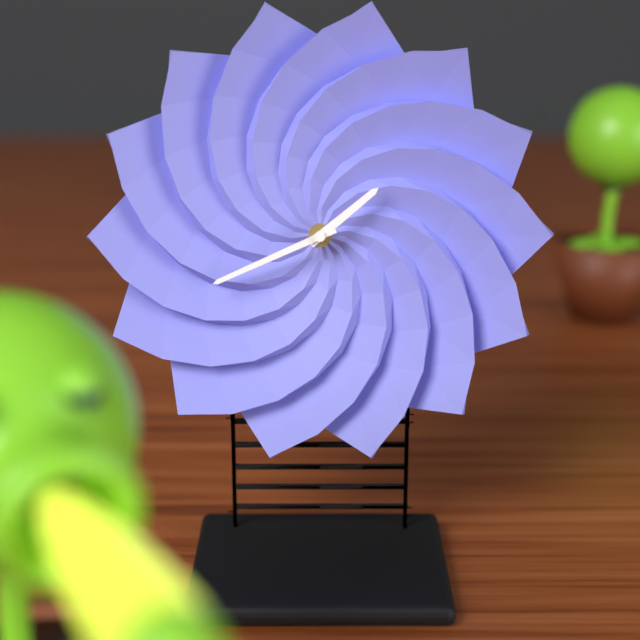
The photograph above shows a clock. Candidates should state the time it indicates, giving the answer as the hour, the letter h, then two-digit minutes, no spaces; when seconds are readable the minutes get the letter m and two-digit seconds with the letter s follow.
1h41
